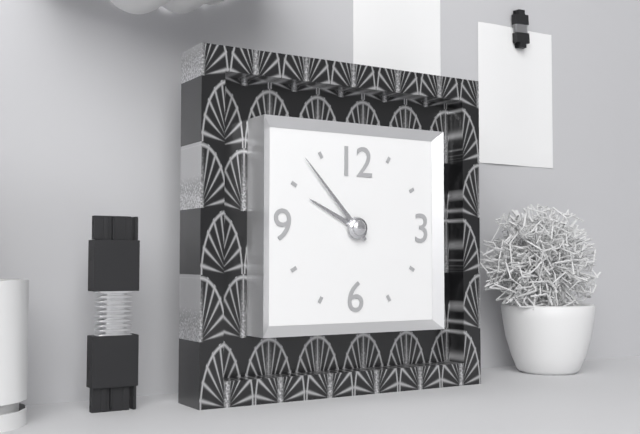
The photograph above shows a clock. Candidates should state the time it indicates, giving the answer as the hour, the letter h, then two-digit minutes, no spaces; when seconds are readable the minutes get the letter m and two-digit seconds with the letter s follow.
9h53
